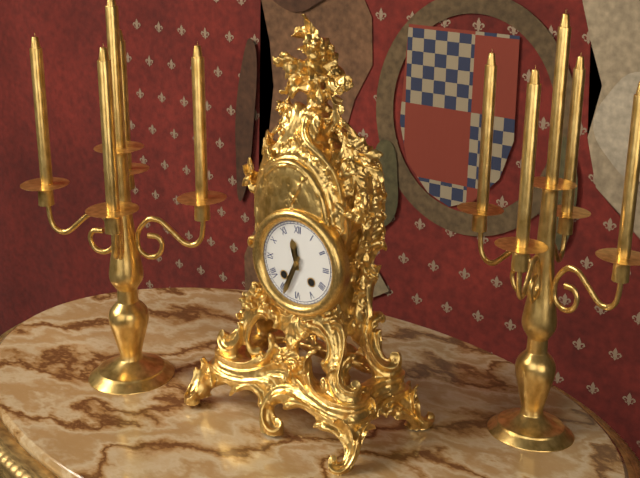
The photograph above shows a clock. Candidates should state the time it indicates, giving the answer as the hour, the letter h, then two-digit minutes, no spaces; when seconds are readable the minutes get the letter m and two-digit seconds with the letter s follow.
11h34
